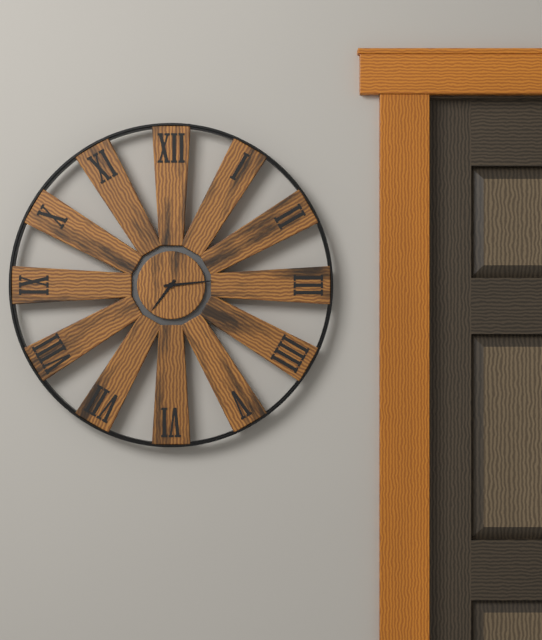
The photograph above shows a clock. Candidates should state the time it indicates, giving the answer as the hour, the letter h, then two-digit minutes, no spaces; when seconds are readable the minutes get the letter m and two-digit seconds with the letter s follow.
7h14
